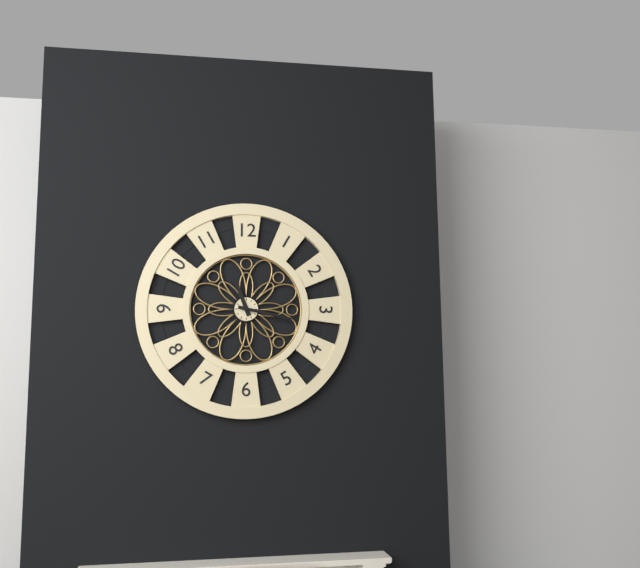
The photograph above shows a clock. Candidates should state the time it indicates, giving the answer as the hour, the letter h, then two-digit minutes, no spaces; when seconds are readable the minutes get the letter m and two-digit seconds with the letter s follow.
11h17
